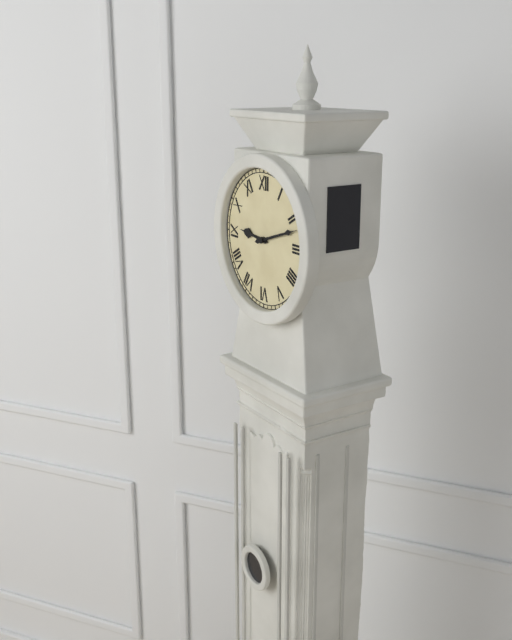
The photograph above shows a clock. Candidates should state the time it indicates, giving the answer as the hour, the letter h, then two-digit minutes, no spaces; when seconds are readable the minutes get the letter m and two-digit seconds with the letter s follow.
9h12
